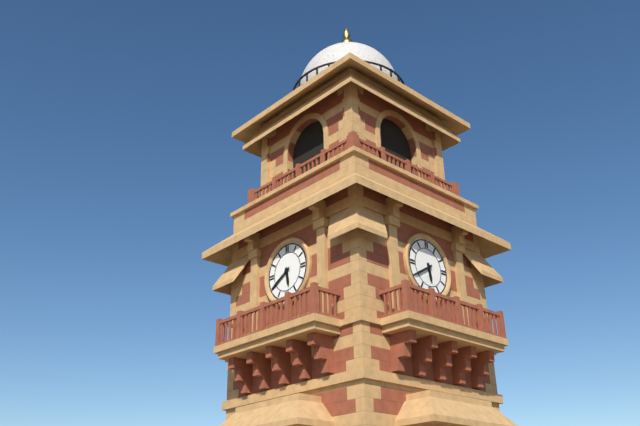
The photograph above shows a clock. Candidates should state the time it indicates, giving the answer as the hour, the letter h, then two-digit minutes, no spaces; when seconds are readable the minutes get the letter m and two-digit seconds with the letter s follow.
5h40
